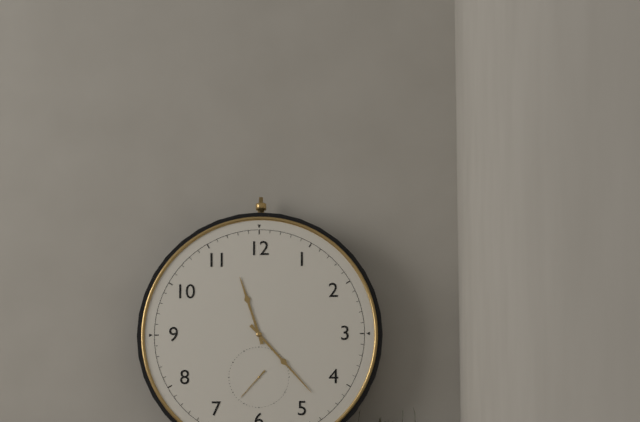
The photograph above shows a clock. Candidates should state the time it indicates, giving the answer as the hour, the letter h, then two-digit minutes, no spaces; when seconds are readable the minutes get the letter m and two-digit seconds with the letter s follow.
11h23
